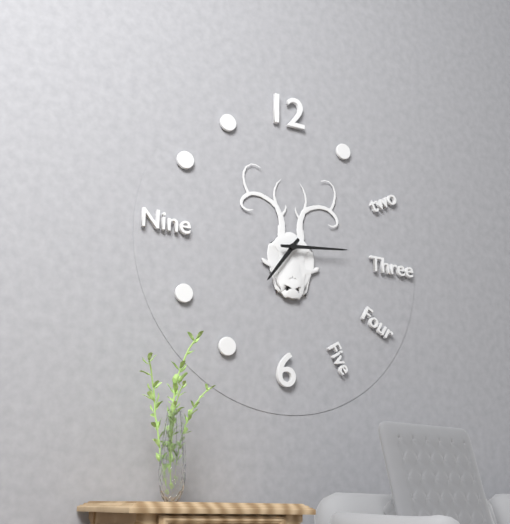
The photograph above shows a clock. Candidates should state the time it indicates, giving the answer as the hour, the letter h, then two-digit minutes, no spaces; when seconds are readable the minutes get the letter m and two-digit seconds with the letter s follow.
7h14
